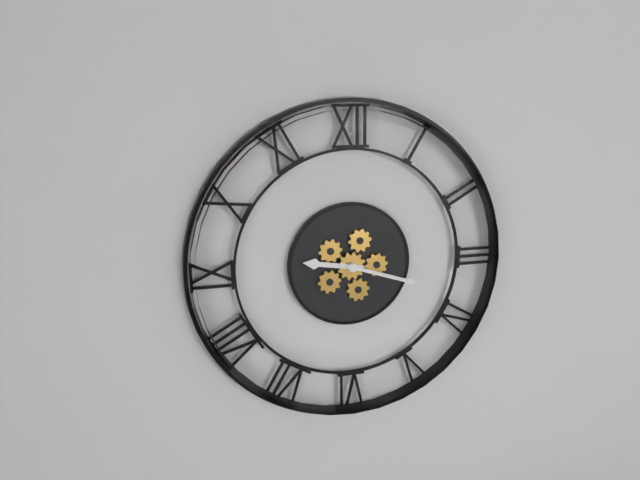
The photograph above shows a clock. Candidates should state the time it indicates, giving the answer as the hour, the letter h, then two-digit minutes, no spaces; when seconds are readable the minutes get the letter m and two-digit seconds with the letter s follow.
9h18
